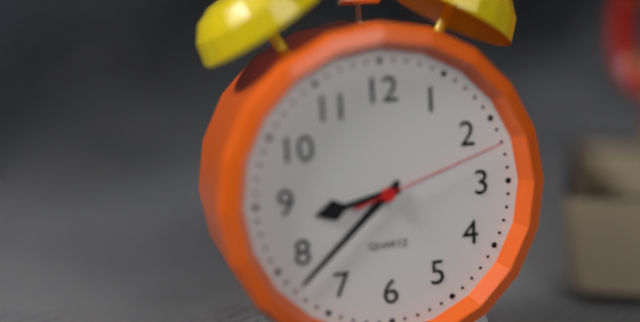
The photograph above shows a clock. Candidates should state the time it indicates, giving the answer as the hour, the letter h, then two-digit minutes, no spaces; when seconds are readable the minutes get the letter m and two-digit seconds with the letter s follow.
8h38m12s
